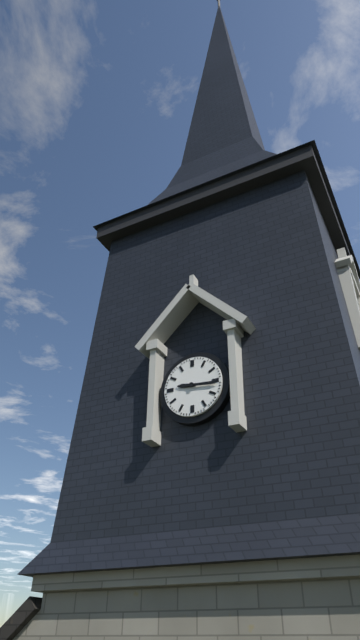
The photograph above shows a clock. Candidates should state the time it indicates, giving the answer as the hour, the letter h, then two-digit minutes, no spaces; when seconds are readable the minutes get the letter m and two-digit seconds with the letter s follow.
9h16
